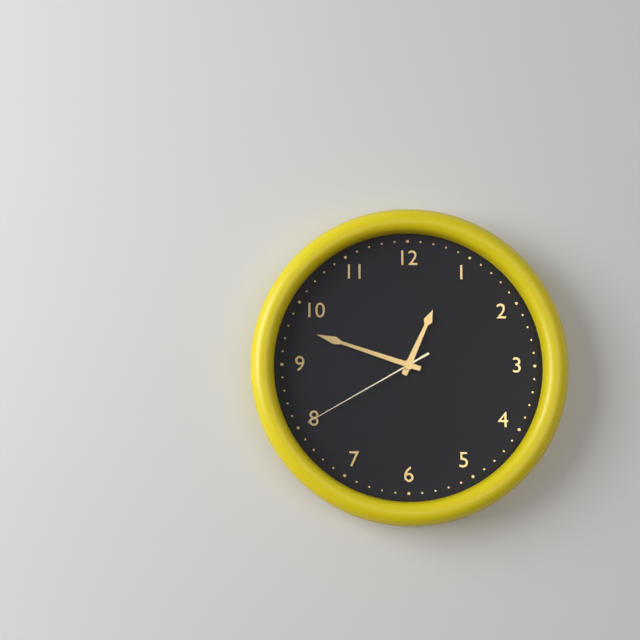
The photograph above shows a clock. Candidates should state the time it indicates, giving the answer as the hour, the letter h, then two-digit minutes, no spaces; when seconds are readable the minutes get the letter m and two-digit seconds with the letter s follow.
12h48m40s
